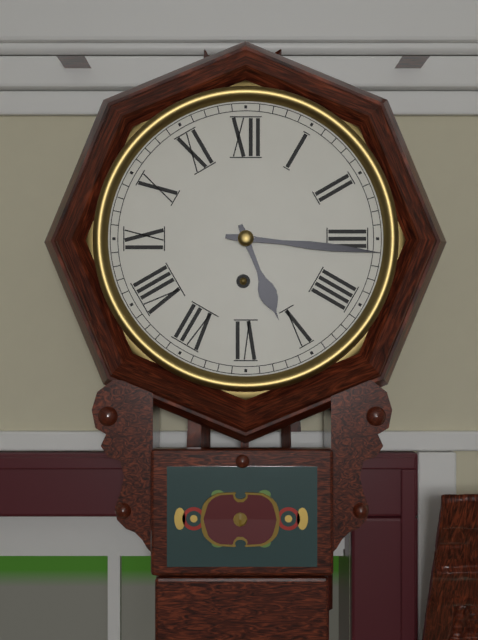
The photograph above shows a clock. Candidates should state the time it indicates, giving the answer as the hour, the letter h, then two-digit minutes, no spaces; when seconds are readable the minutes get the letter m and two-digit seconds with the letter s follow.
5h16
